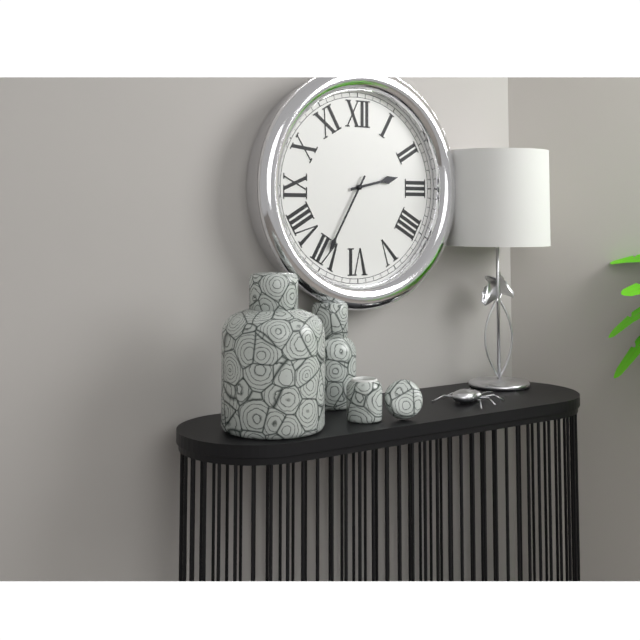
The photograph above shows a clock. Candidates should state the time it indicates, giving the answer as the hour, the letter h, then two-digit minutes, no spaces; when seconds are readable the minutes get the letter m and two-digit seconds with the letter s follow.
2h35
